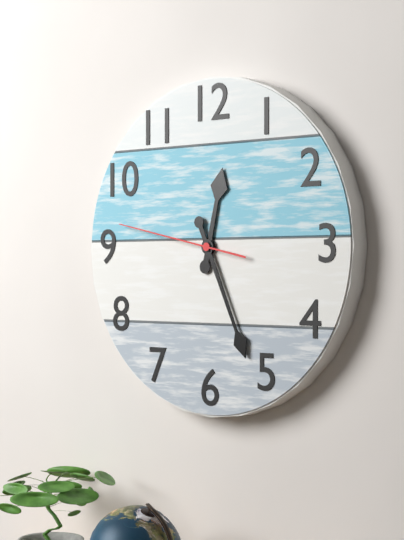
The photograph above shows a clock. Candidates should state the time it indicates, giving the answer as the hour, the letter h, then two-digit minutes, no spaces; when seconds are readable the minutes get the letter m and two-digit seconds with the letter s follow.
12h26m47s
